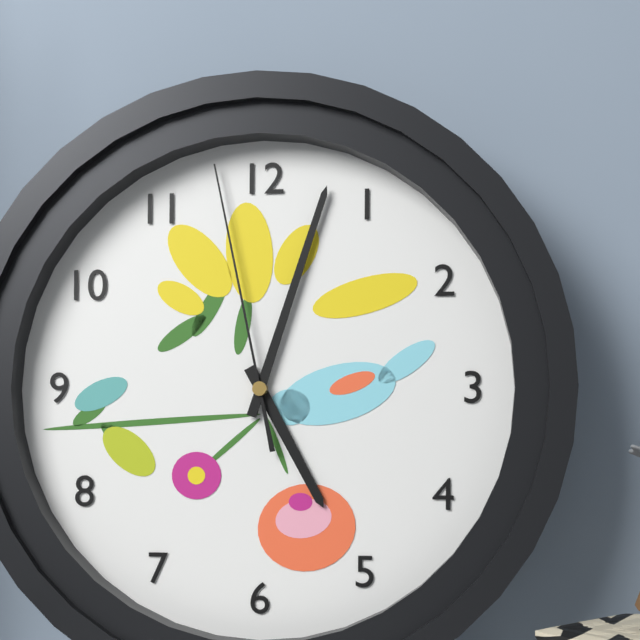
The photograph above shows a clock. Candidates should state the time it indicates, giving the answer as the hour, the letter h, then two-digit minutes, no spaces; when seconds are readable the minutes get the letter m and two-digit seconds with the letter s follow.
5h03m58s
